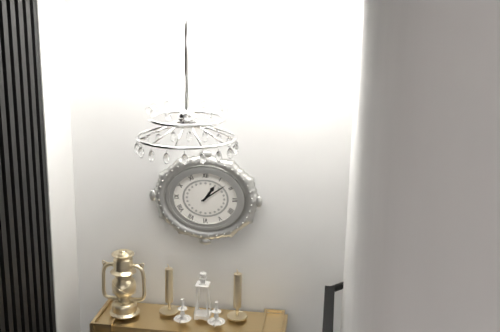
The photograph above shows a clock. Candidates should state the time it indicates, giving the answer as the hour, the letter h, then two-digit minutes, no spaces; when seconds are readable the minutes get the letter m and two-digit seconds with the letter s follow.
1h09
